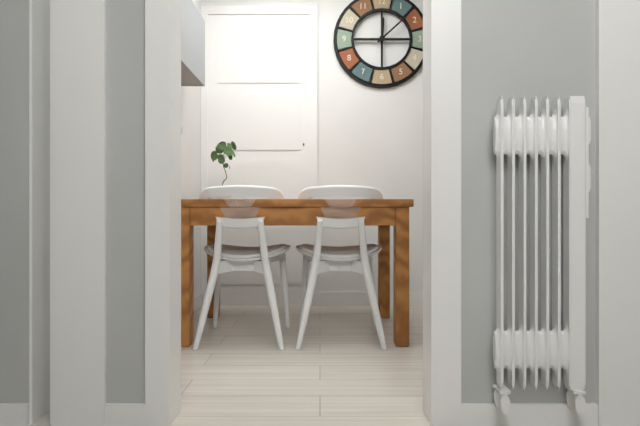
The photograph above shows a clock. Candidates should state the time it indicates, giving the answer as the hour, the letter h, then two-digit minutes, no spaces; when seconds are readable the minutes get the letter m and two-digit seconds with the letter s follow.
12h08
